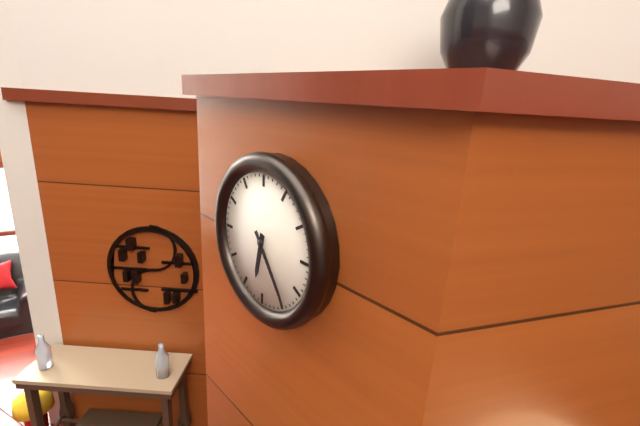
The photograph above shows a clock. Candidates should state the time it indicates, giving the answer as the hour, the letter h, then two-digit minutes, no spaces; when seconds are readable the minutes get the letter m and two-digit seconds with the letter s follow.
6h24
